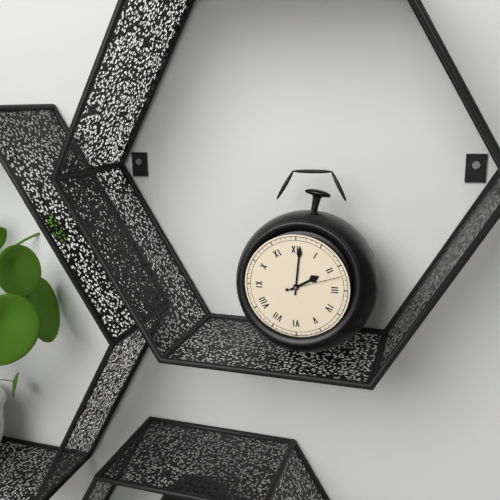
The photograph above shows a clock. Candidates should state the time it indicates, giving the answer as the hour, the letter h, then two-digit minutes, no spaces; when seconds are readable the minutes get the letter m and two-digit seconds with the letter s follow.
2h01m12s
